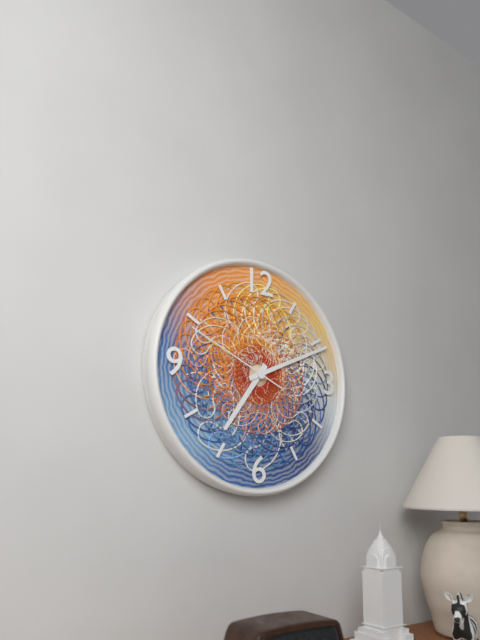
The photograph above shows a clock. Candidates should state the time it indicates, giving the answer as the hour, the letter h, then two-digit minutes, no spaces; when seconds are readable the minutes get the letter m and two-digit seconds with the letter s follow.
7h11m49s
